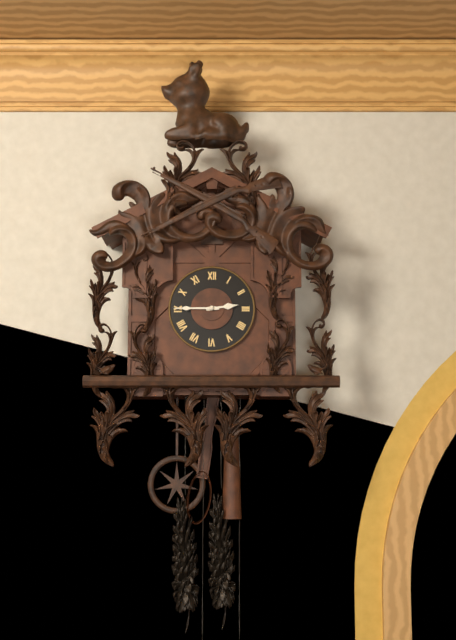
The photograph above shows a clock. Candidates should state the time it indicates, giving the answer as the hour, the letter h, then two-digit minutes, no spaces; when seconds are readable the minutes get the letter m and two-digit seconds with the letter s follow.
2h45
